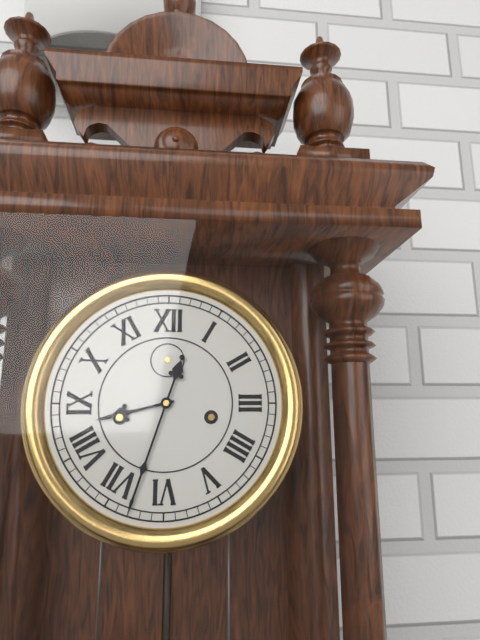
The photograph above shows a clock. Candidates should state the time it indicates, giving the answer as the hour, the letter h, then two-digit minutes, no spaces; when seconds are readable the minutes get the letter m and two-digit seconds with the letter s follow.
8h33
